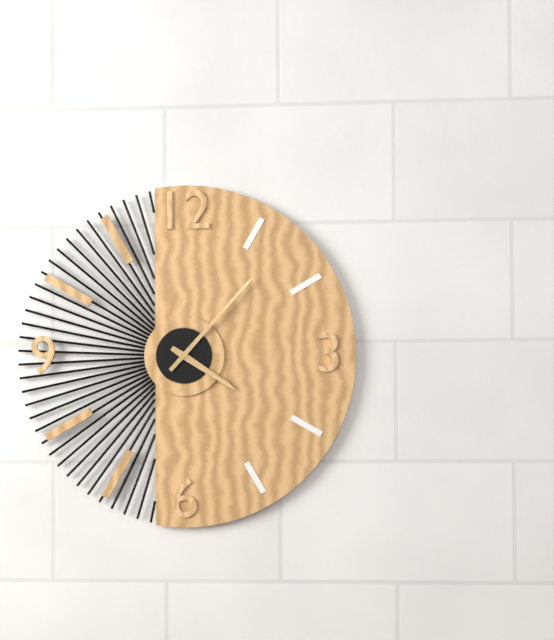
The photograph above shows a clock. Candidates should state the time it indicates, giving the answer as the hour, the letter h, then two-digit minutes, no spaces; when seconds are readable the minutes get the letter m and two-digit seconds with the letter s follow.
4h07
